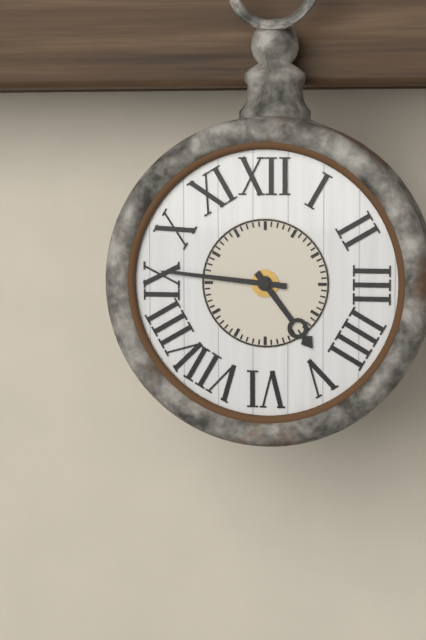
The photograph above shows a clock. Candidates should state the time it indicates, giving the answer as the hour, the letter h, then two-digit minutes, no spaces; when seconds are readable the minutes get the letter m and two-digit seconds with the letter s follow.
4h46
